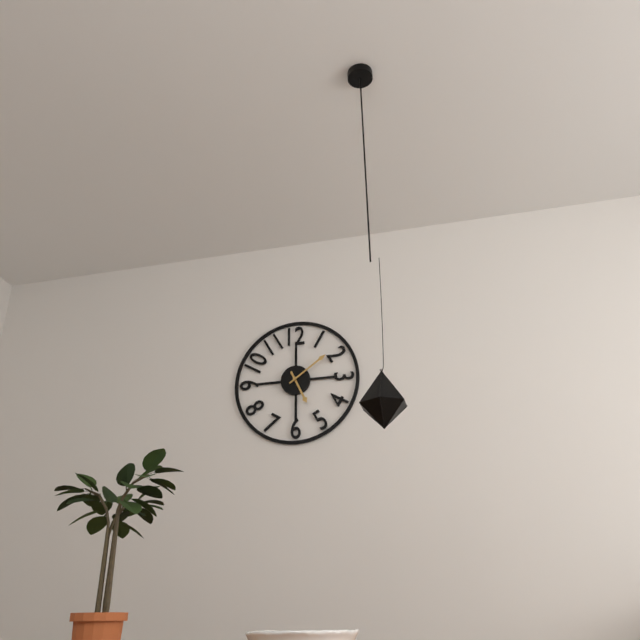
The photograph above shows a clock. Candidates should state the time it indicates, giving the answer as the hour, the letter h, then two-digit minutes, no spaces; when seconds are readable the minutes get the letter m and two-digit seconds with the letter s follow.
5h09
